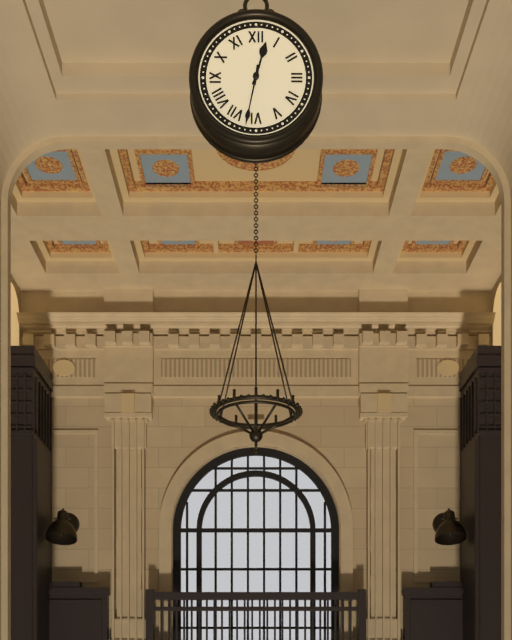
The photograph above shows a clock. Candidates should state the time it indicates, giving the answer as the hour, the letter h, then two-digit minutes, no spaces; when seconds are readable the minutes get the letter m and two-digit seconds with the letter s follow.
12h32
